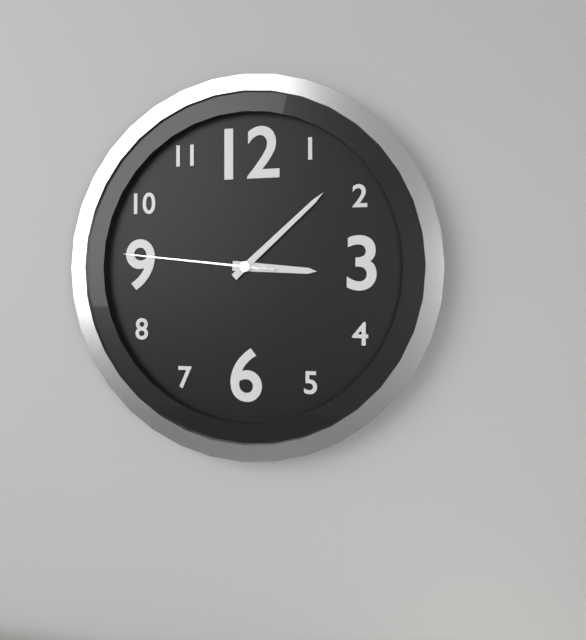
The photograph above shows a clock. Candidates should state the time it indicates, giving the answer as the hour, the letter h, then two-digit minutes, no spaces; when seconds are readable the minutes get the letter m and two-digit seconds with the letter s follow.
3h08m46s
